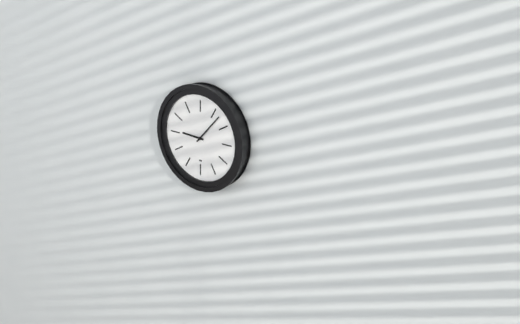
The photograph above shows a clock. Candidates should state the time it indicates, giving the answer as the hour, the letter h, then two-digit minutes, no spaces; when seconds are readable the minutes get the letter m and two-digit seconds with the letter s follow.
9h07
